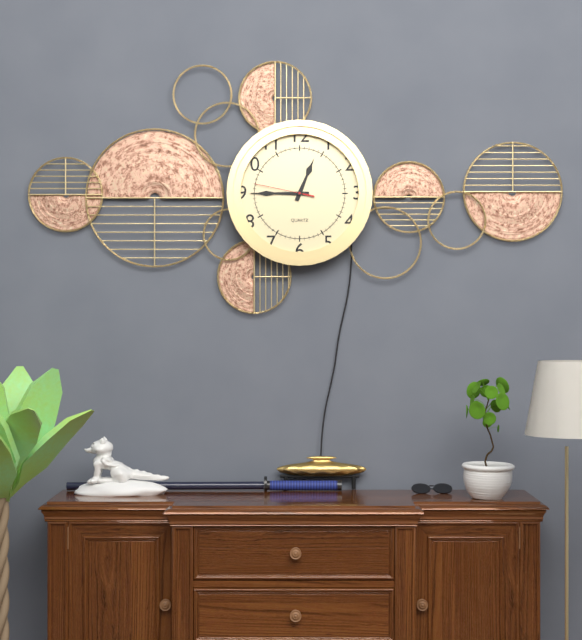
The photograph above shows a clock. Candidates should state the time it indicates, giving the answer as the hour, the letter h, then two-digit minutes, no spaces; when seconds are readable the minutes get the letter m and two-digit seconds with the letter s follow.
12h45m47s
